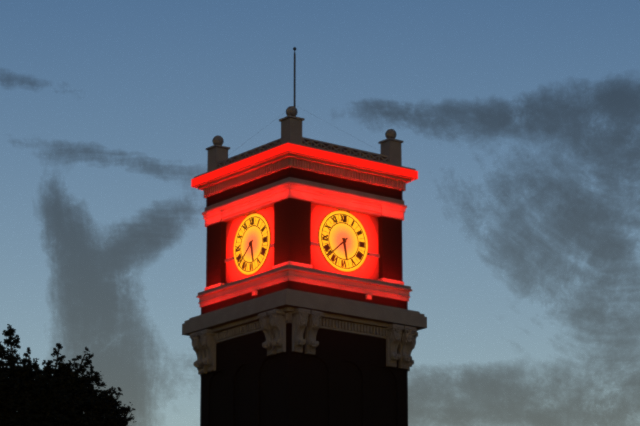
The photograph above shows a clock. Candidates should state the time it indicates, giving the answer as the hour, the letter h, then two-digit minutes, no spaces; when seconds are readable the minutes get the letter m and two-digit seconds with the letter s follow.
5h38
